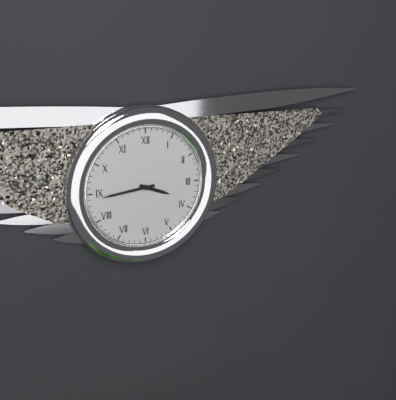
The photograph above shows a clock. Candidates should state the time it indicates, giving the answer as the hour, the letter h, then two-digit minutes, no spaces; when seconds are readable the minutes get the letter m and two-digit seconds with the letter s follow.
3h44
